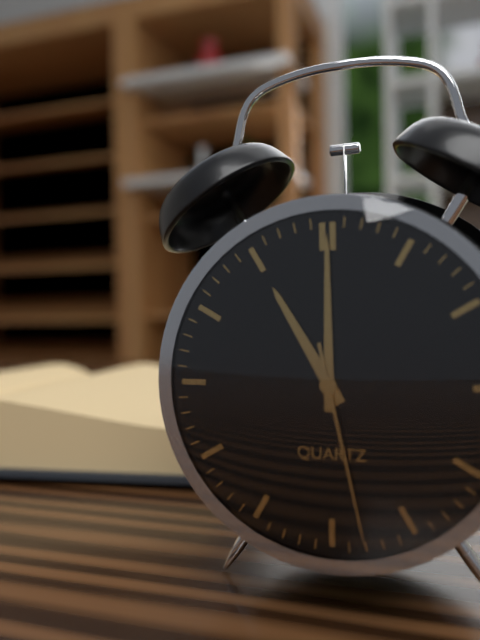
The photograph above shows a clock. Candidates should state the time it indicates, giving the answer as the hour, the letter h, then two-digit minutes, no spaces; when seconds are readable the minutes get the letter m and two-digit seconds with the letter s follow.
11h00m28s
